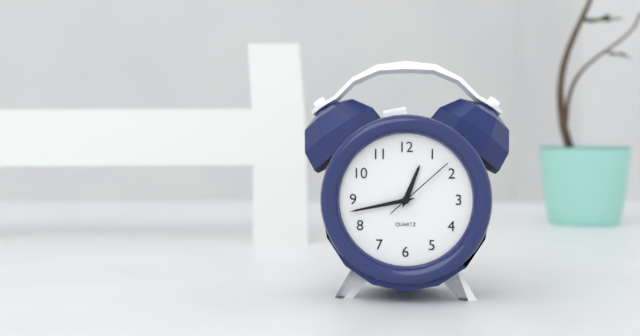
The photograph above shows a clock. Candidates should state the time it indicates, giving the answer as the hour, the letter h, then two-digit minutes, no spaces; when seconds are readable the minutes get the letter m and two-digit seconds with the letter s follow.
12h43m08s
